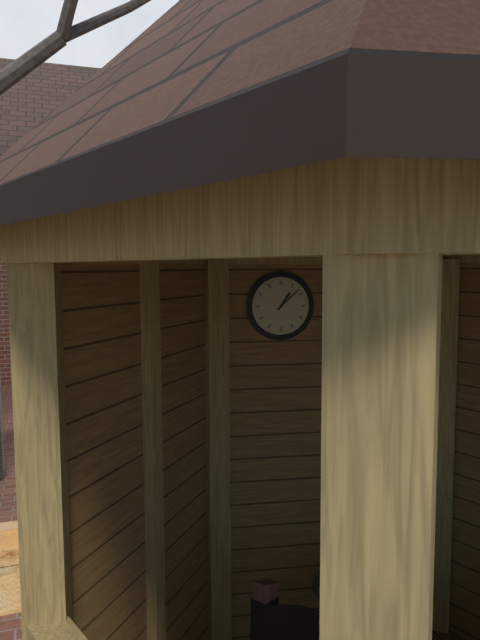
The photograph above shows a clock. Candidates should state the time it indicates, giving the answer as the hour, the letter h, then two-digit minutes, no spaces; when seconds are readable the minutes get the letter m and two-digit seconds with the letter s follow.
1h08
